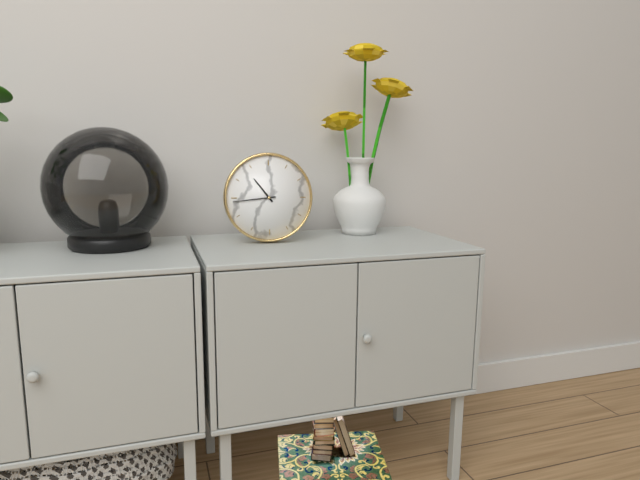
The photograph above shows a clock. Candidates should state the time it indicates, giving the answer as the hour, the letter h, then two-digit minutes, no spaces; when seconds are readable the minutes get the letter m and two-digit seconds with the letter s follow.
10h44
